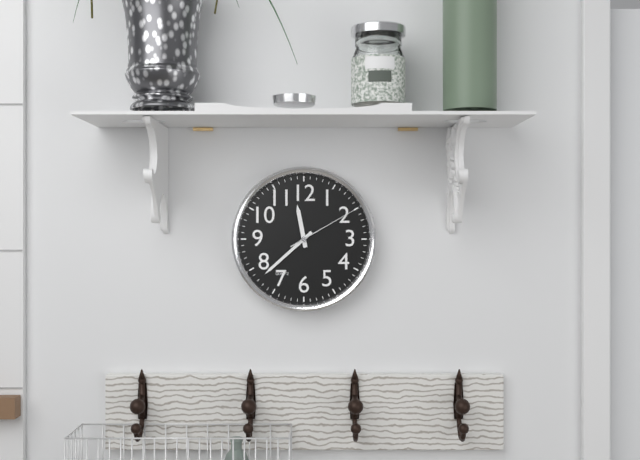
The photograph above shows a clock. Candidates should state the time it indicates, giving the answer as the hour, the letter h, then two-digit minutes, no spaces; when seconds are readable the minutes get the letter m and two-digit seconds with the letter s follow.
11h38m10s
